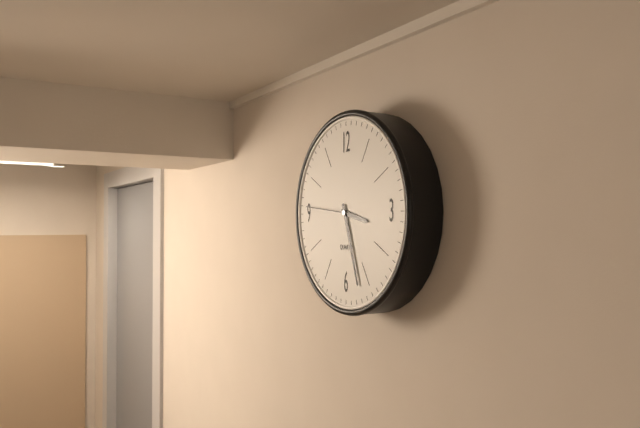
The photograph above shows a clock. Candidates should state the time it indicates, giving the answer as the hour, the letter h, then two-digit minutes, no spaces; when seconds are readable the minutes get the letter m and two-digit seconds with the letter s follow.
3h27m46s
